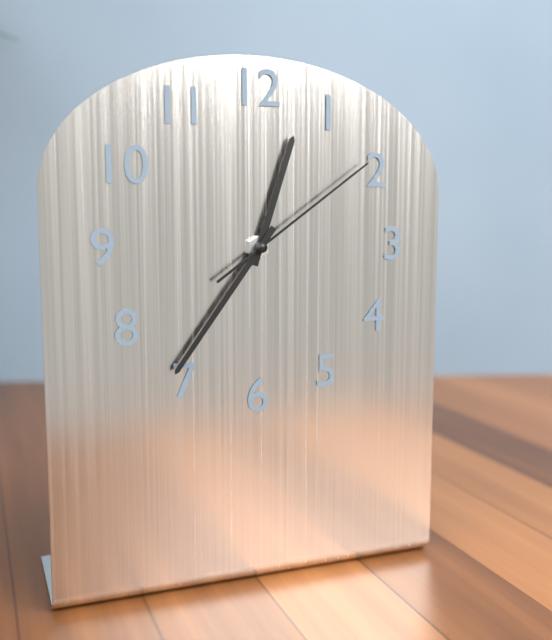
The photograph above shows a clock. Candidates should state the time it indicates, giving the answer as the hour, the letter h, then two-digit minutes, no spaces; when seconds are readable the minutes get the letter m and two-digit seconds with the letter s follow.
12h36m09s
